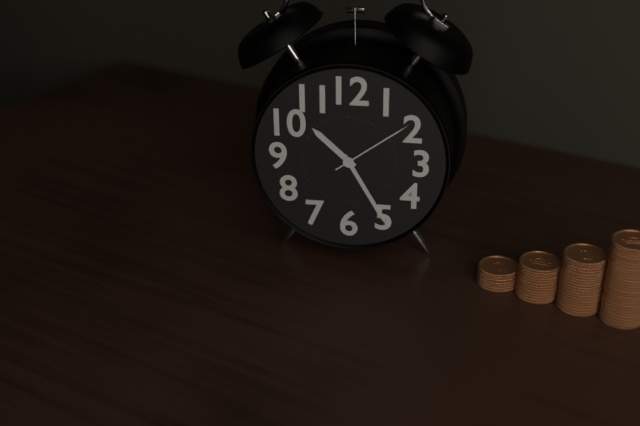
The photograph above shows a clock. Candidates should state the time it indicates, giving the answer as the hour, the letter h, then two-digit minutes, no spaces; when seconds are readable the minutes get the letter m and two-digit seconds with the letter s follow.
10h25m09s
